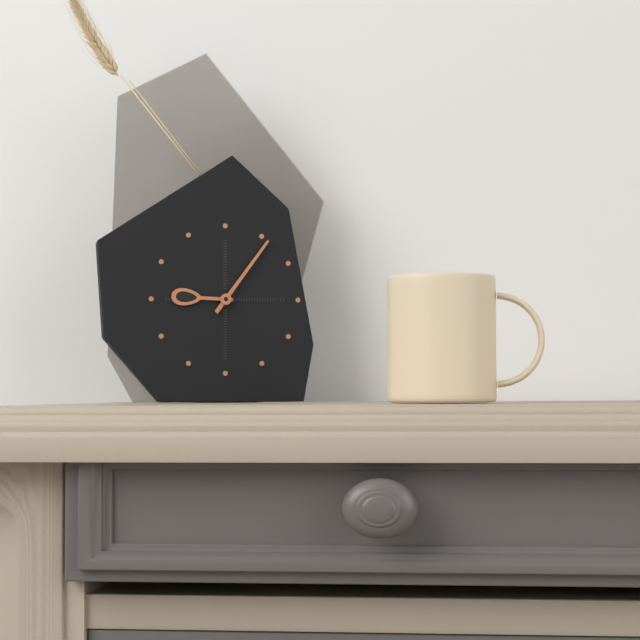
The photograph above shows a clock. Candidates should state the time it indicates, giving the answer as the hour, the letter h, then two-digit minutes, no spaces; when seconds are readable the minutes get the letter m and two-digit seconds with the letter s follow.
9h06
